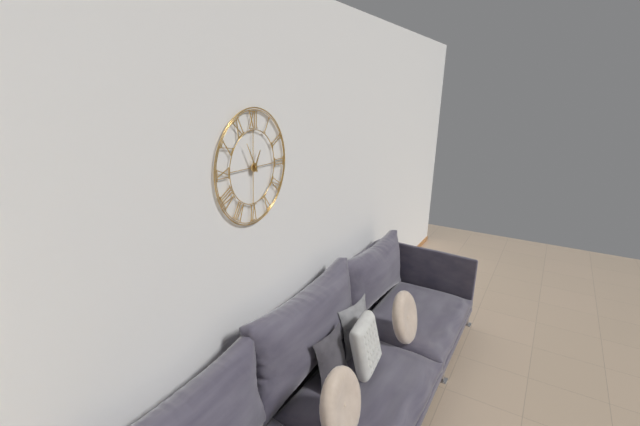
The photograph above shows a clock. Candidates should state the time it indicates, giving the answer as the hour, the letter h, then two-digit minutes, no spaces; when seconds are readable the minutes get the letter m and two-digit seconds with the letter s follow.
12h55
